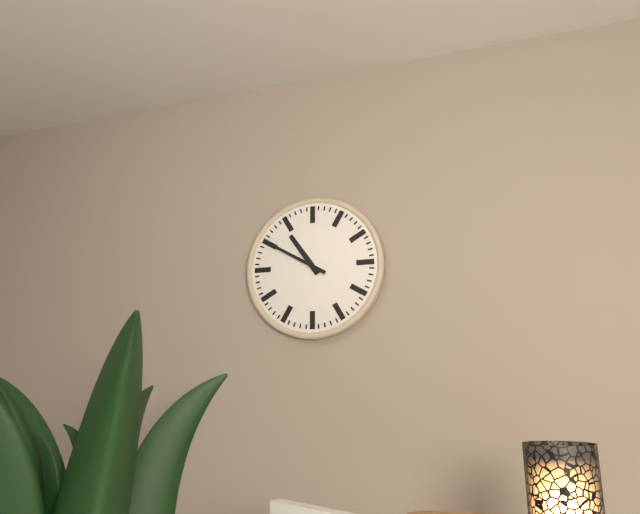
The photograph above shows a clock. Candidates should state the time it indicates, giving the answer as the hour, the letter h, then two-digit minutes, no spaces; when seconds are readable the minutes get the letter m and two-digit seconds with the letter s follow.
10h50
